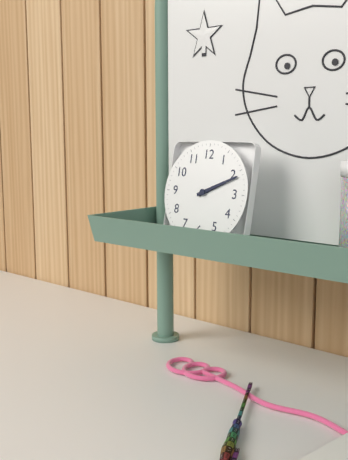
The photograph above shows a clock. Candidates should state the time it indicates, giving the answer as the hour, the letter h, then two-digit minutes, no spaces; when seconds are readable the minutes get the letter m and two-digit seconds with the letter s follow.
2h11
